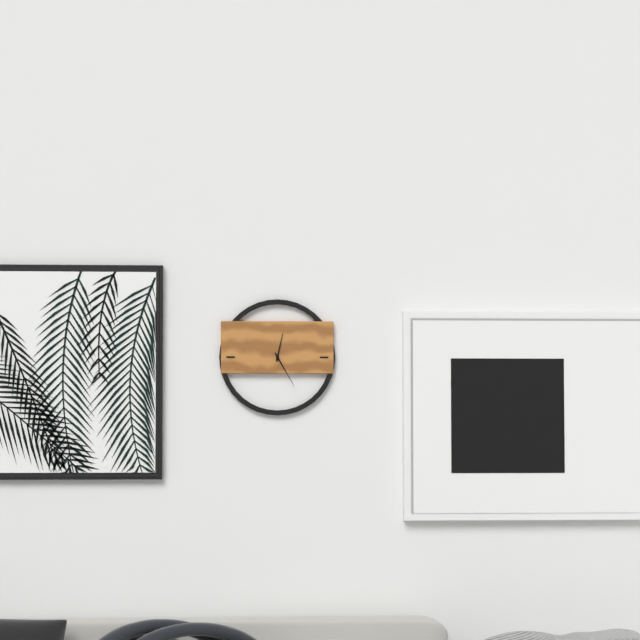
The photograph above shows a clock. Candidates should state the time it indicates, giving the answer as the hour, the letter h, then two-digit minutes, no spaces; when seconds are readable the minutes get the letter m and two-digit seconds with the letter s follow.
12h25
